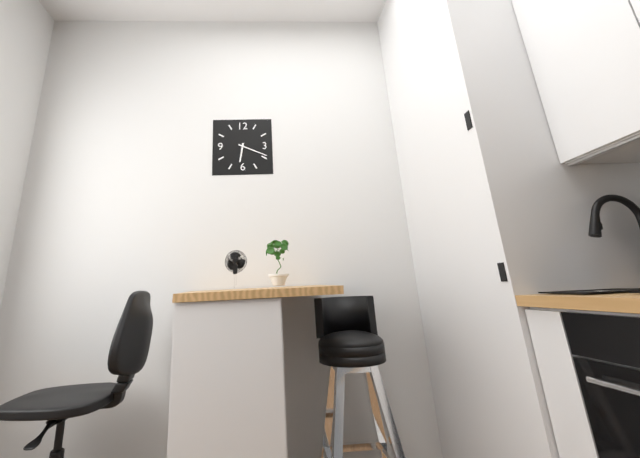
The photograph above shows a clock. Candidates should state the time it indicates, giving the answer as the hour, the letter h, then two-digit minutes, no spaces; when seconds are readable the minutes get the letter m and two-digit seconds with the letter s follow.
6h19
